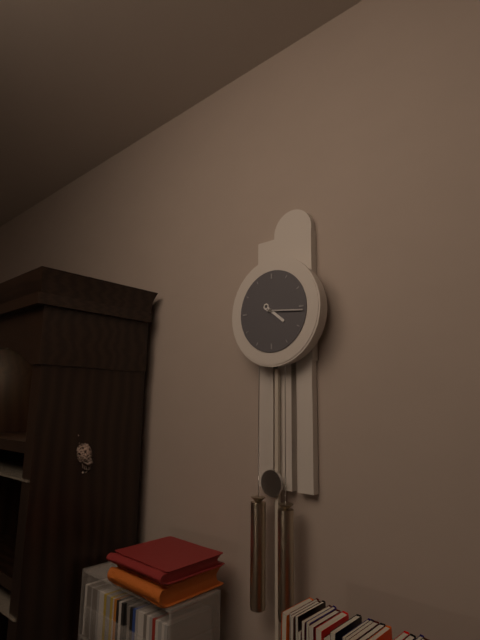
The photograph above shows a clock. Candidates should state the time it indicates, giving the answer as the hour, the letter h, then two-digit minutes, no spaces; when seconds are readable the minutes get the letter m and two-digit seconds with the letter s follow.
4h16
